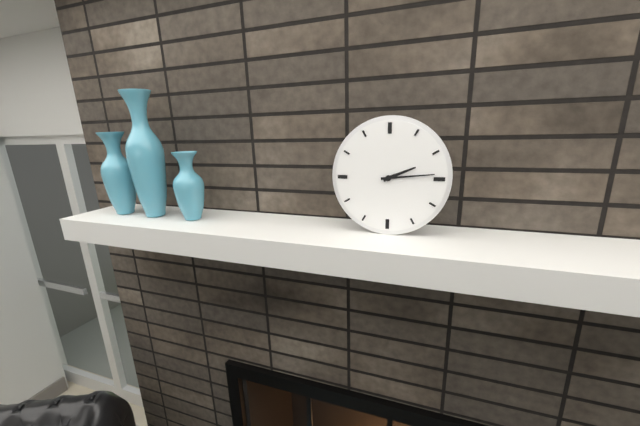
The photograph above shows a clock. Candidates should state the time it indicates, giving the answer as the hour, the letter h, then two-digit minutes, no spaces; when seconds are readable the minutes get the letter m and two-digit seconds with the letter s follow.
2h14
